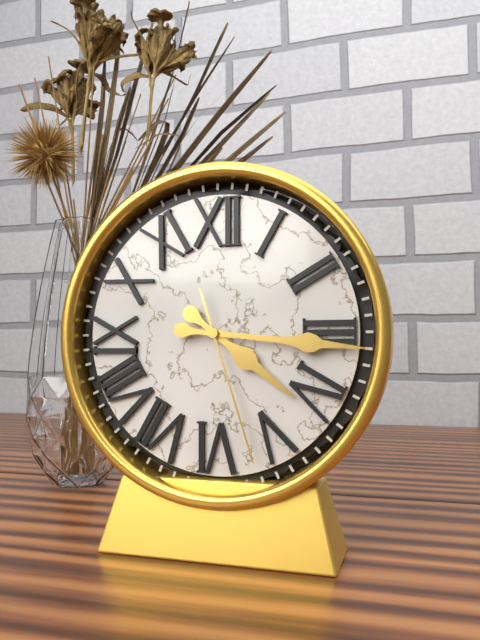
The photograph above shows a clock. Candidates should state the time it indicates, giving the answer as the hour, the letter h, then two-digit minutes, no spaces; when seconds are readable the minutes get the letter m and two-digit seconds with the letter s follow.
4h16m27s
